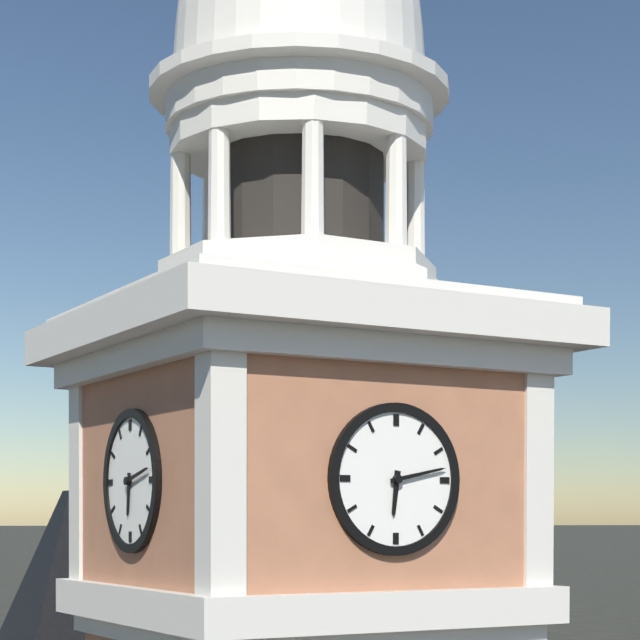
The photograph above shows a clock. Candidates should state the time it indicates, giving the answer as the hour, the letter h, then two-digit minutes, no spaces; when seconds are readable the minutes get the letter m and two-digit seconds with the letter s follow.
6h13
